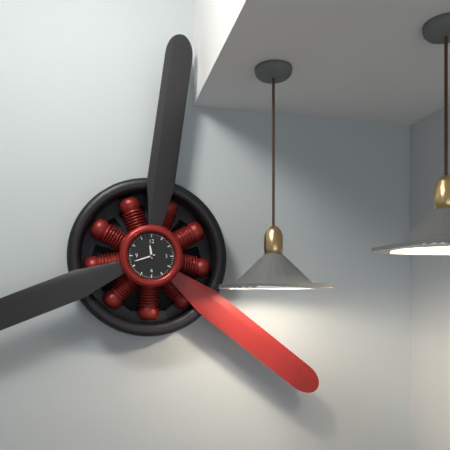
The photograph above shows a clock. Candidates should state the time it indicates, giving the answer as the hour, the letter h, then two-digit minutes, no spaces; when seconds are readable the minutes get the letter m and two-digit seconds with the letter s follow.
11h42
